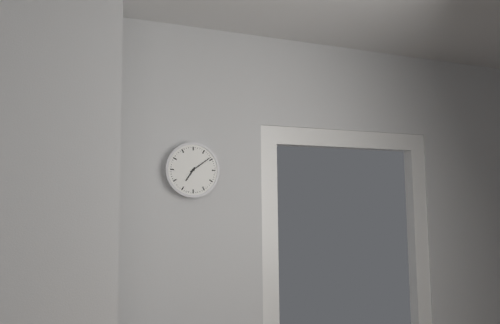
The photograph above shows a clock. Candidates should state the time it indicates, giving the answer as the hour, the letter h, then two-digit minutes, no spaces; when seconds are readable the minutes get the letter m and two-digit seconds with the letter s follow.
7h09
